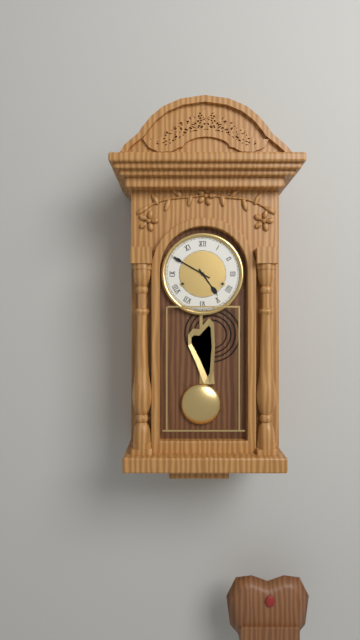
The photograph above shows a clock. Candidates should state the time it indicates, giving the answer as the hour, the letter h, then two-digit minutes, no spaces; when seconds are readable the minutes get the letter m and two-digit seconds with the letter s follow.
4h50
